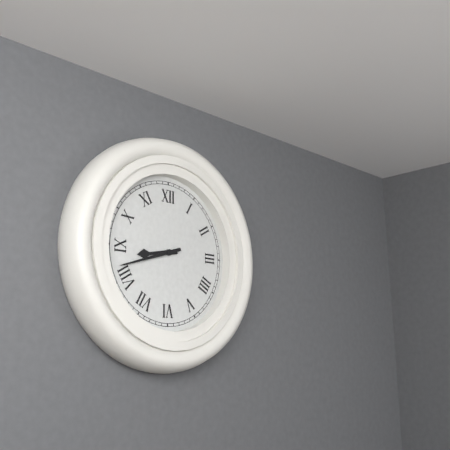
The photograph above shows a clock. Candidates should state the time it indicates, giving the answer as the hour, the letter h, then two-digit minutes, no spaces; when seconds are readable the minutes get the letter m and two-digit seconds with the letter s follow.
8h42
